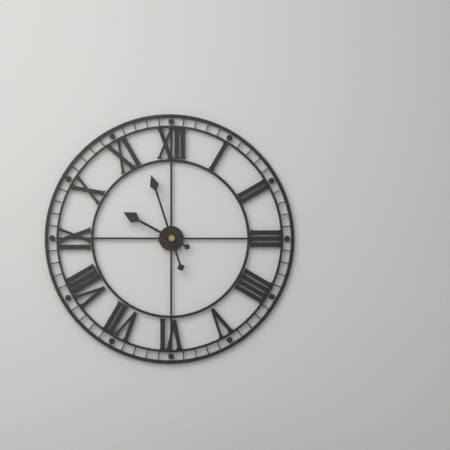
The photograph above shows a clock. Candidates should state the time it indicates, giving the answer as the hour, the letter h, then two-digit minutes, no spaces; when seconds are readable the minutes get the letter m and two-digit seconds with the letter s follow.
9h57
